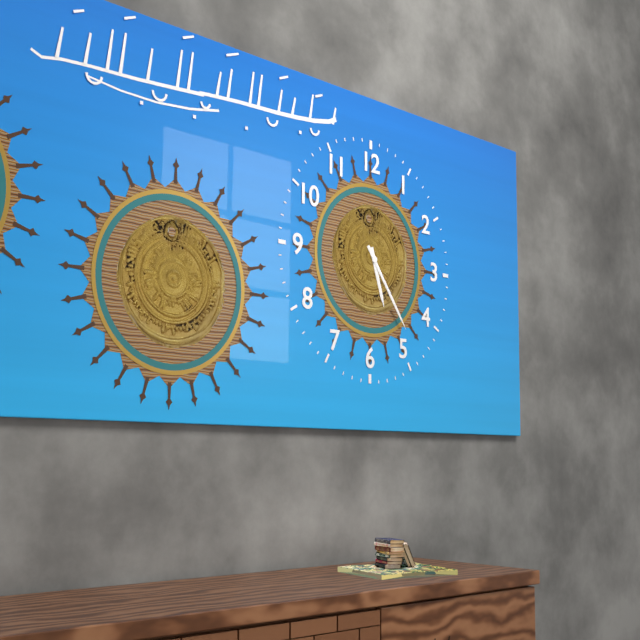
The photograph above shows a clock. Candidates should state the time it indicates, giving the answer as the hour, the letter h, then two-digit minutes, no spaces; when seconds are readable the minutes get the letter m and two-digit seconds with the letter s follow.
5h24
